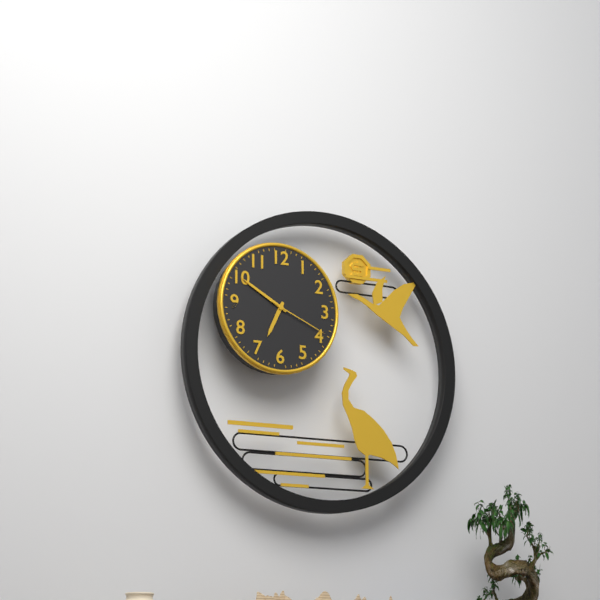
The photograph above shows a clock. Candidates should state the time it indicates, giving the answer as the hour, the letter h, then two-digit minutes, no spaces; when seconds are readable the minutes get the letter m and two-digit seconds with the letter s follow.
6h50m19s
